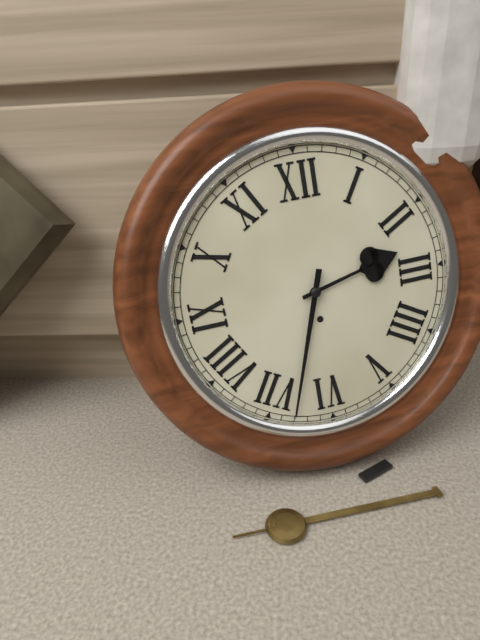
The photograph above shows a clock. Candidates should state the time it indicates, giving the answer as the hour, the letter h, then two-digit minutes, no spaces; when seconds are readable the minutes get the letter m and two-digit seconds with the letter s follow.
2h33
